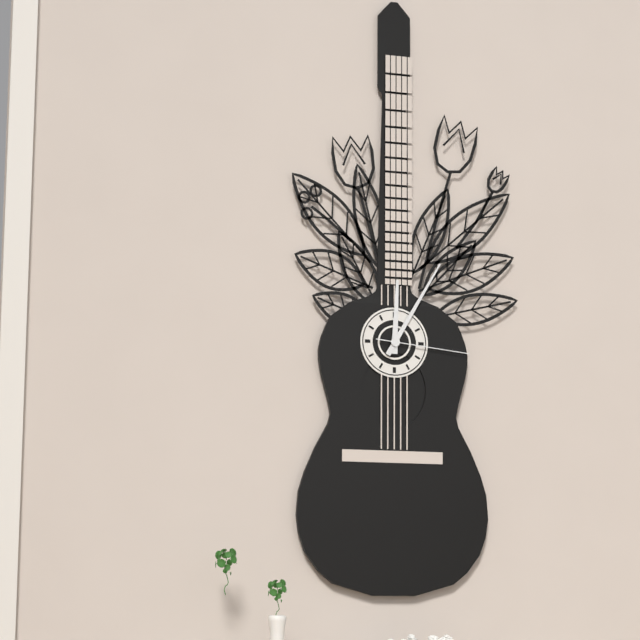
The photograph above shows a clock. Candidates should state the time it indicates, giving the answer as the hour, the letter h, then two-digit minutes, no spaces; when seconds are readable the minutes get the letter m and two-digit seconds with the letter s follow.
12h05m16s
